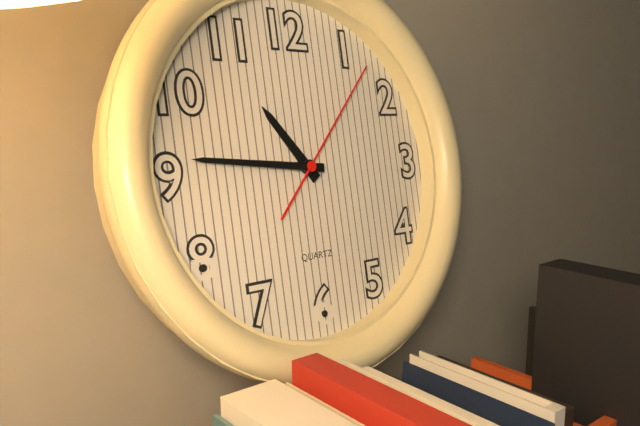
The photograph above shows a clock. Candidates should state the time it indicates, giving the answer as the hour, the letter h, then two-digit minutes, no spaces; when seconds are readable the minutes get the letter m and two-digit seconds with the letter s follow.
10h46m07s
